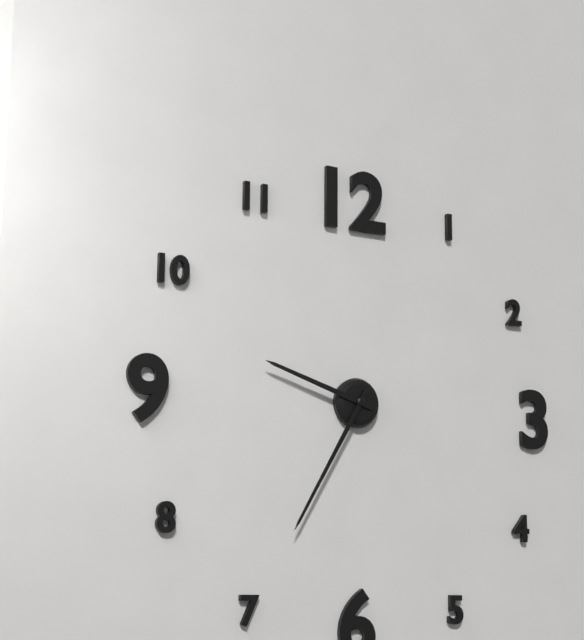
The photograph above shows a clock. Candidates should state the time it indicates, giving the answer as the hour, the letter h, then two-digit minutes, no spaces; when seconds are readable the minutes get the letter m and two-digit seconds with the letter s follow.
9h35
